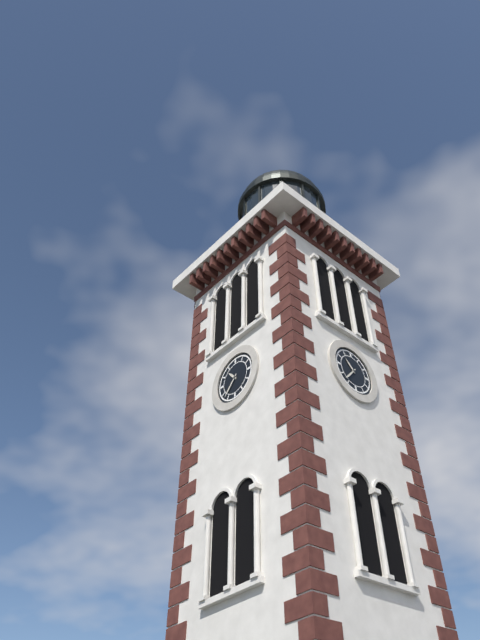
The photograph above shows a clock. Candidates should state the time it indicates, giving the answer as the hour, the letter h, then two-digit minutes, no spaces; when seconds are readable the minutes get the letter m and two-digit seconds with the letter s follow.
10h37
